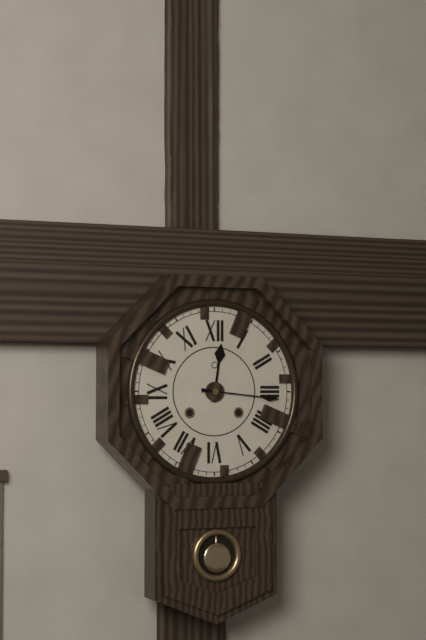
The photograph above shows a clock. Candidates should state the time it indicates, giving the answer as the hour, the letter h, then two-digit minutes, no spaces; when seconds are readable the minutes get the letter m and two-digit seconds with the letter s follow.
12h16
